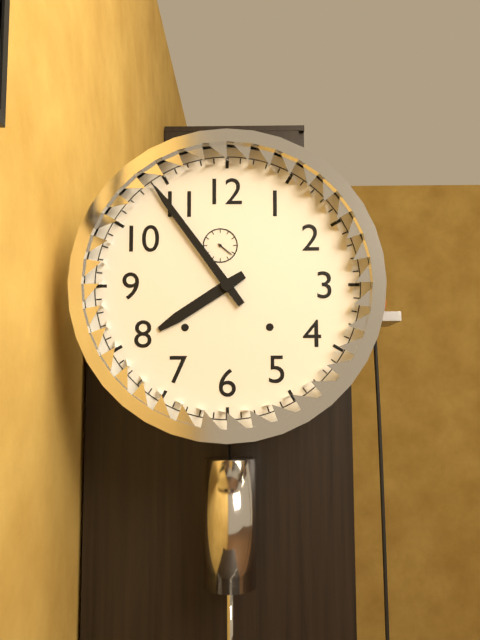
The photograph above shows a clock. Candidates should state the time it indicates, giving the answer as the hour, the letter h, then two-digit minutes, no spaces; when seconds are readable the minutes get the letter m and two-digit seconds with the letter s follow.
7h54
